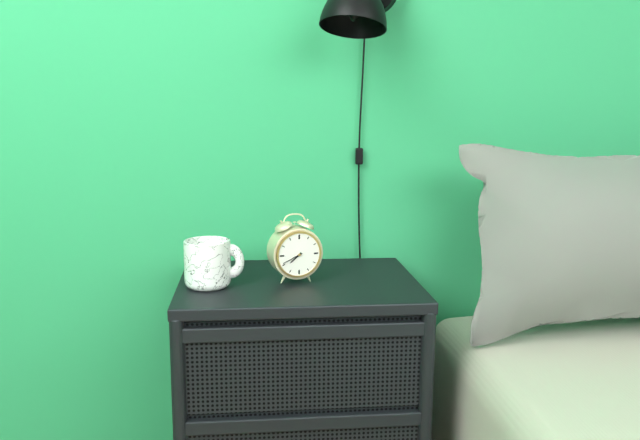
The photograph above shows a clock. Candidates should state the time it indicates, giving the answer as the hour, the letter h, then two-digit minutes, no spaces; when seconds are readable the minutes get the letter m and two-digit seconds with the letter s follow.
7h41
